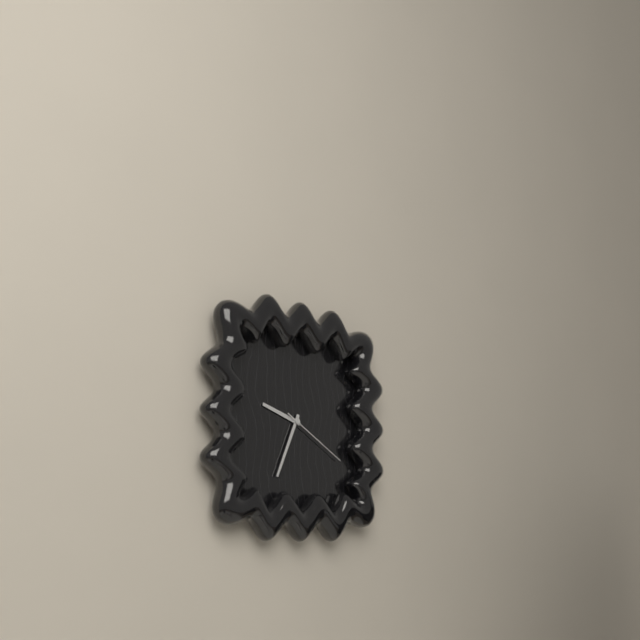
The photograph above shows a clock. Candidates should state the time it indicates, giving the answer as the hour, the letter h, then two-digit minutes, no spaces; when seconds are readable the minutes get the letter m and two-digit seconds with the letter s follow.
9h34m20s
